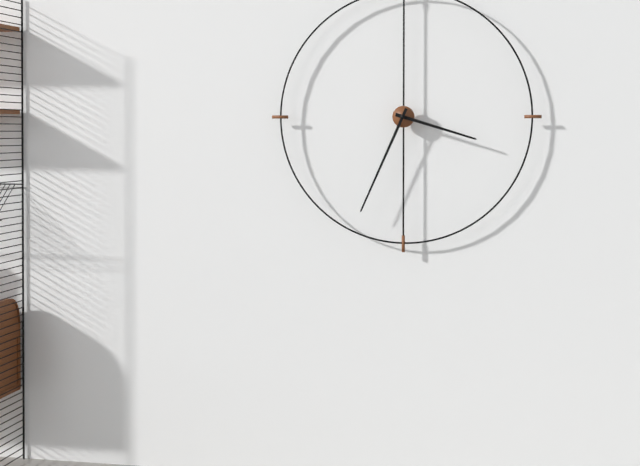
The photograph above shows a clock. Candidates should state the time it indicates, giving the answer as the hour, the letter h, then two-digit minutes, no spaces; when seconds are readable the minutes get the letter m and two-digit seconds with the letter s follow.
3h34
